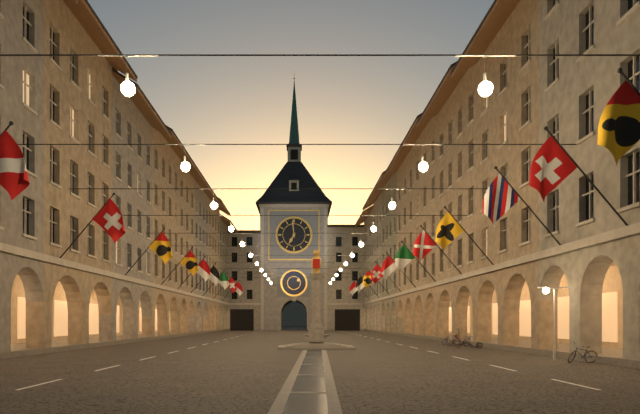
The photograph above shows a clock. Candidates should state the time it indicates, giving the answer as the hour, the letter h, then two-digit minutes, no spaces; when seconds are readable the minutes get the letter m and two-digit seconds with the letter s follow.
6h59
